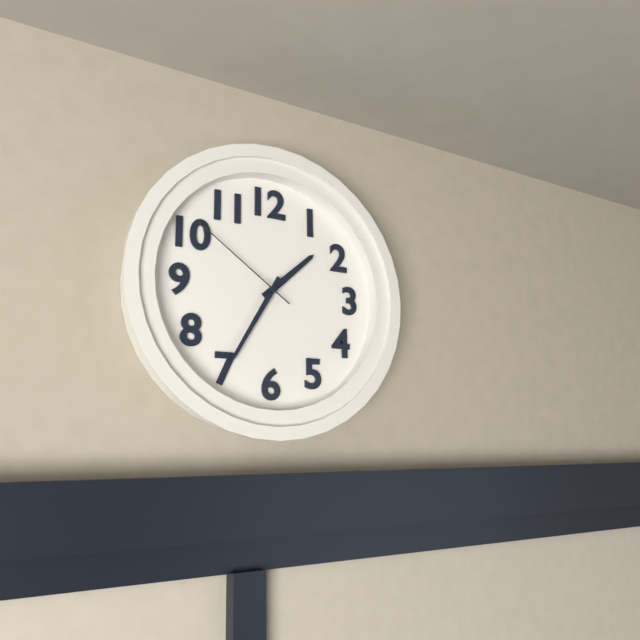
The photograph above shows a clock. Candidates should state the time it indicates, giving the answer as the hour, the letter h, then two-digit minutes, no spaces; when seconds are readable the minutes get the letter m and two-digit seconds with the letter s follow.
1h35m51s
